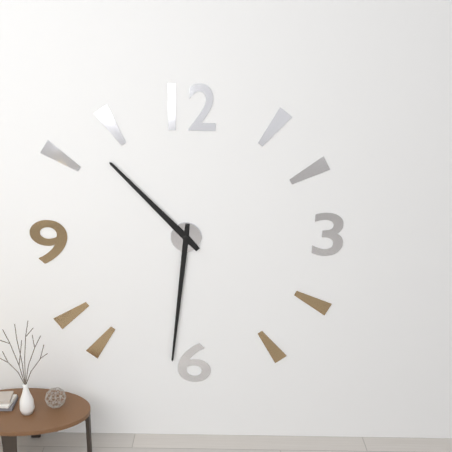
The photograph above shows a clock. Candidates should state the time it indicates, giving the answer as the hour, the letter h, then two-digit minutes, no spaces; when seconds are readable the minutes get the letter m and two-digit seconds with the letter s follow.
10h31
